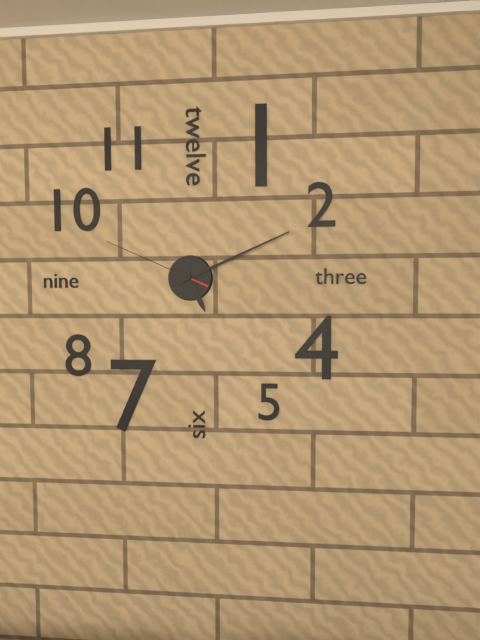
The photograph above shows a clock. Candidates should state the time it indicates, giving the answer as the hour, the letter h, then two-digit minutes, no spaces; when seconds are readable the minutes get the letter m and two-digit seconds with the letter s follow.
5h11m49s
